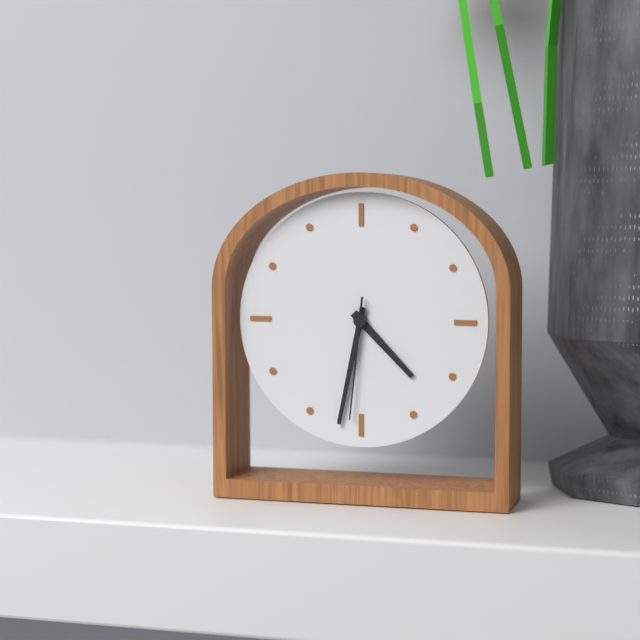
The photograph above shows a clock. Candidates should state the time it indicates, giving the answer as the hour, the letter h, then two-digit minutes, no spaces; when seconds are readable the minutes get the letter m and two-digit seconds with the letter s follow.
4h32m31s
